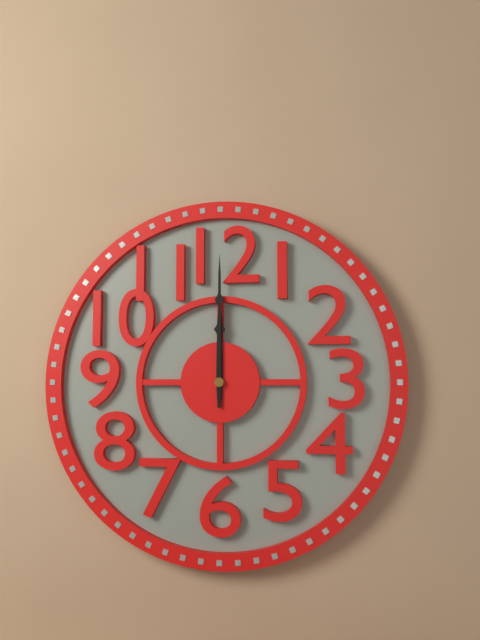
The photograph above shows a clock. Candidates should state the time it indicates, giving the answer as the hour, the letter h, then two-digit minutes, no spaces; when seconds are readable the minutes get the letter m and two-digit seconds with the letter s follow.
12h00
